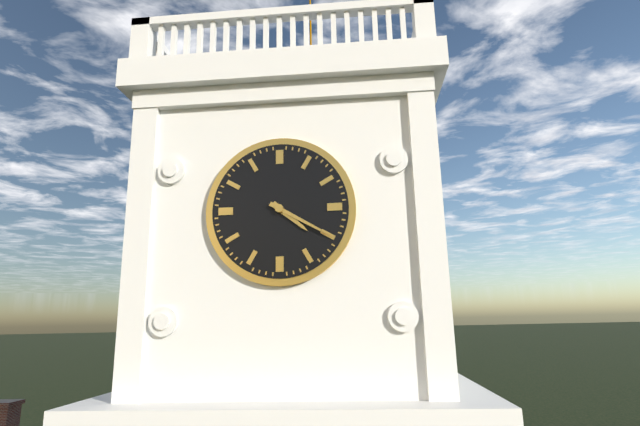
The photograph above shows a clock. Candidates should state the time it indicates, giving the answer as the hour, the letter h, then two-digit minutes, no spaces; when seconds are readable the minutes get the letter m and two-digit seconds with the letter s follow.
4h20
